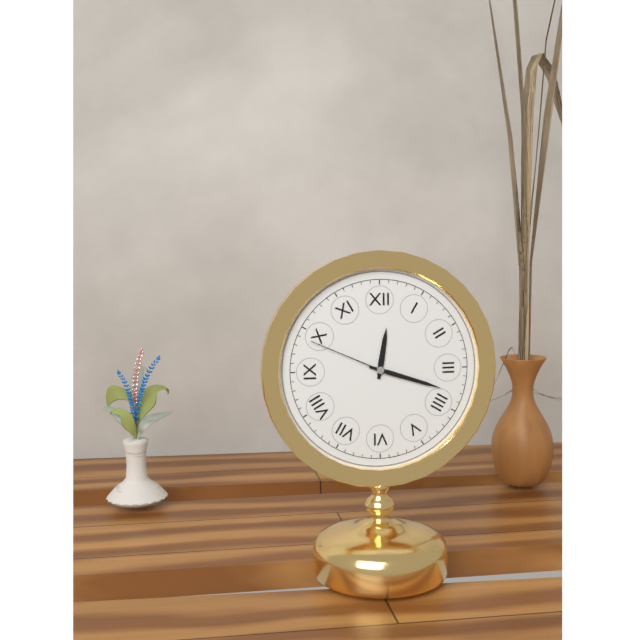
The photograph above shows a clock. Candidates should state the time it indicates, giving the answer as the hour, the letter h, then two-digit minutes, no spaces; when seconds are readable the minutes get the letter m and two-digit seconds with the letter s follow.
12h18m49s
